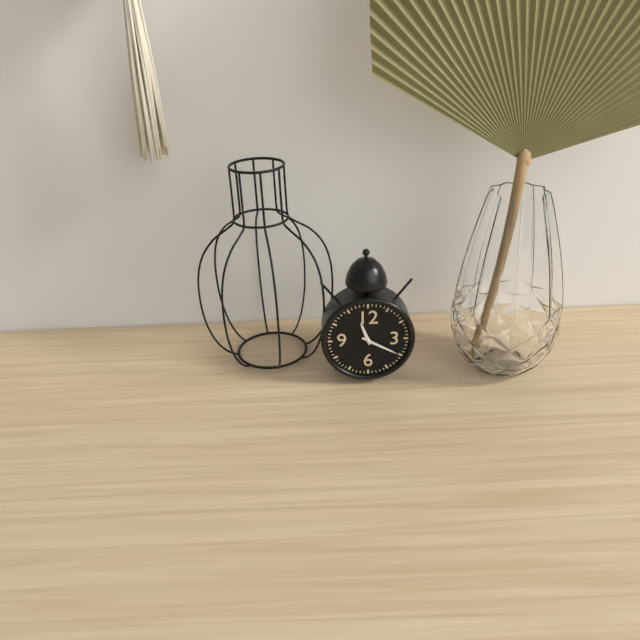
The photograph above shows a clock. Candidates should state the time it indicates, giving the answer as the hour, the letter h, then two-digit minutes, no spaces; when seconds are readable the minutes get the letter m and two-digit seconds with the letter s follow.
11h20
